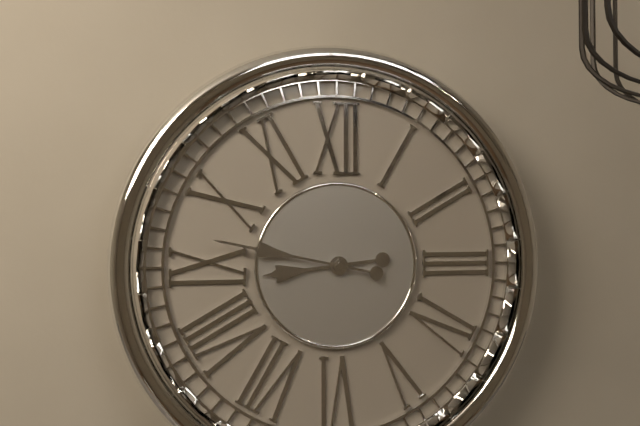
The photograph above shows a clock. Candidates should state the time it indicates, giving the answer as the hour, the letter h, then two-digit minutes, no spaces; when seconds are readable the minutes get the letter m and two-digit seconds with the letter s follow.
8h47
